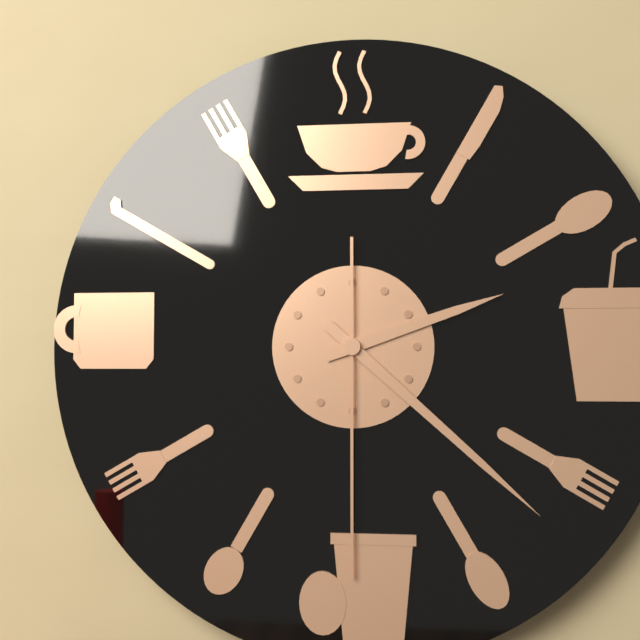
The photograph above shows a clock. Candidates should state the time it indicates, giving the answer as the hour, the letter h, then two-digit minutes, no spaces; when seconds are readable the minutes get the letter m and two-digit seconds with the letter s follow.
2h22m30s
